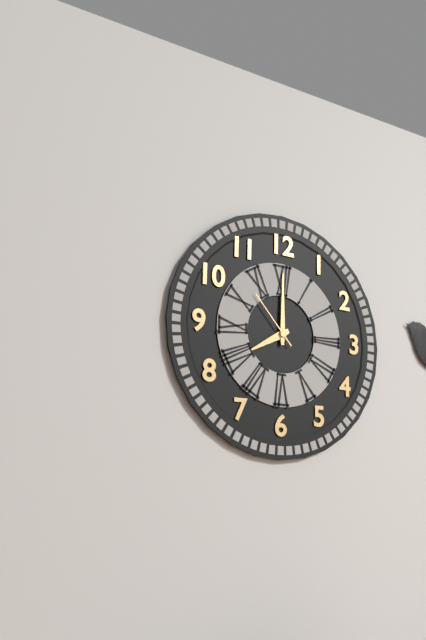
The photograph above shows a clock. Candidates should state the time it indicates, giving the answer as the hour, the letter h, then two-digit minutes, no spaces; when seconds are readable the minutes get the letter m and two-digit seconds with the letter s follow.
8h00m53s
